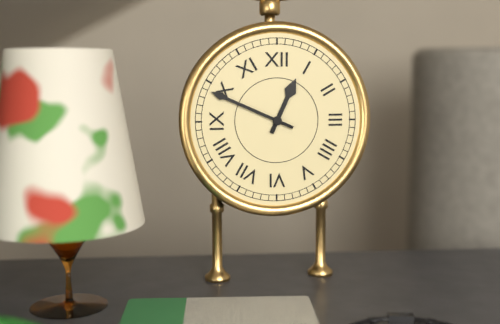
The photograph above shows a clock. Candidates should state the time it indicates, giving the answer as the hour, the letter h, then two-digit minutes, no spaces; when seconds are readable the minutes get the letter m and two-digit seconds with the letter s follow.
12h49
